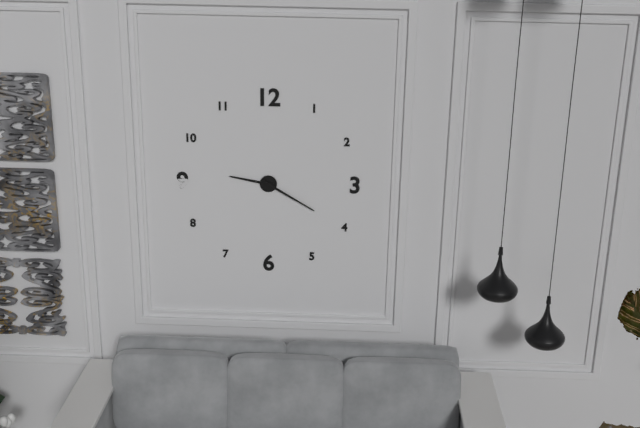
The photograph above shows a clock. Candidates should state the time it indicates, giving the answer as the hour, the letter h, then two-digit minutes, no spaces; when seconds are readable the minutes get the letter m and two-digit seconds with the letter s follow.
9h20
